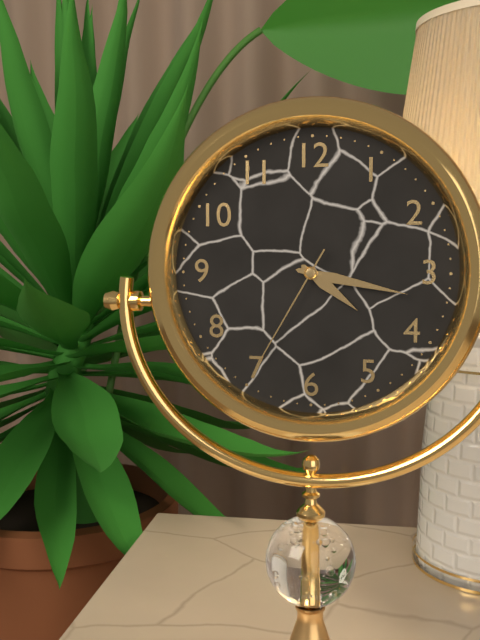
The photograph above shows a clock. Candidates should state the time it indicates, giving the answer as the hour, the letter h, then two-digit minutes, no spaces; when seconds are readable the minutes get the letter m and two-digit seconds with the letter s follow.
4h17m35s
